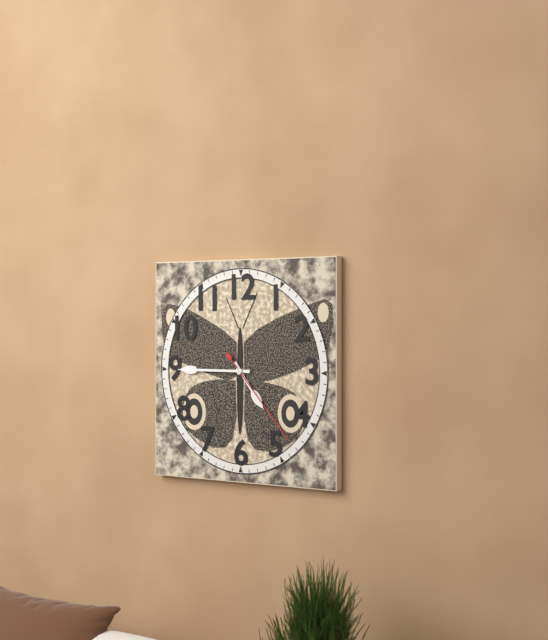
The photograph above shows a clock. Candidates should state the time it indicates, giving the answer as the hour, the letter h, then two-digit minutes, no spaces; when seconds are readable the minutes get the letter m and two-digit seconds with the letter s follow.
4h45m23s
